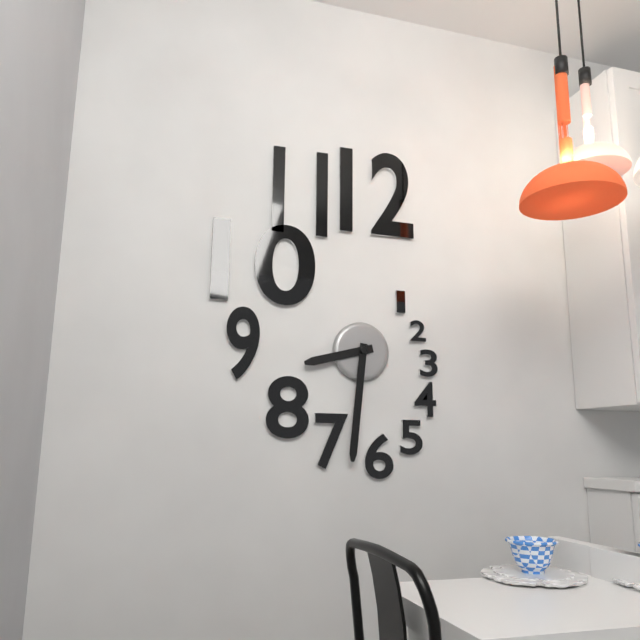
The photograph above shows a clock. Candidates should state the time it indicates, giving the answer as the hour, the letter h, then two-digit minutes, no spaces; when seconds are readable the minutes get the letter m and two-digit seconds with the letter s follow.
8h31
